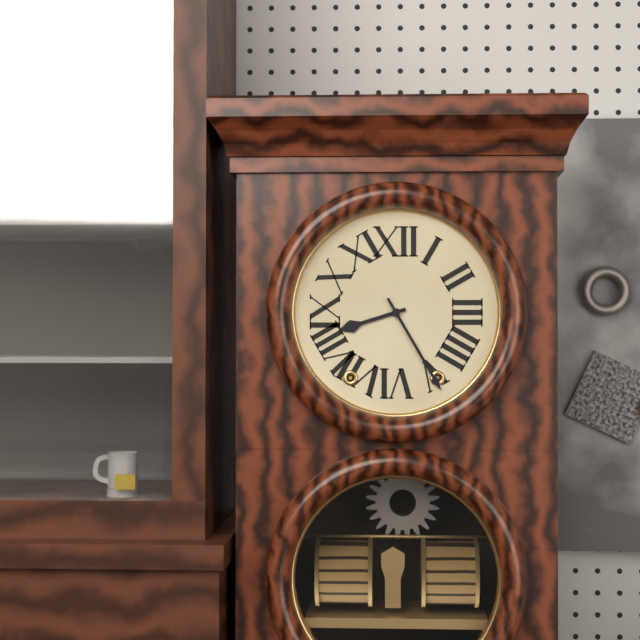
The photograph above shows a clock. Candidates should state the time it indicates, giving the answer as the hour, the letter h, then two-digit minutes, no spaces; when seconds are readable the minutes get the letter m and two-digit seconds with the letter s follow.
8h25
